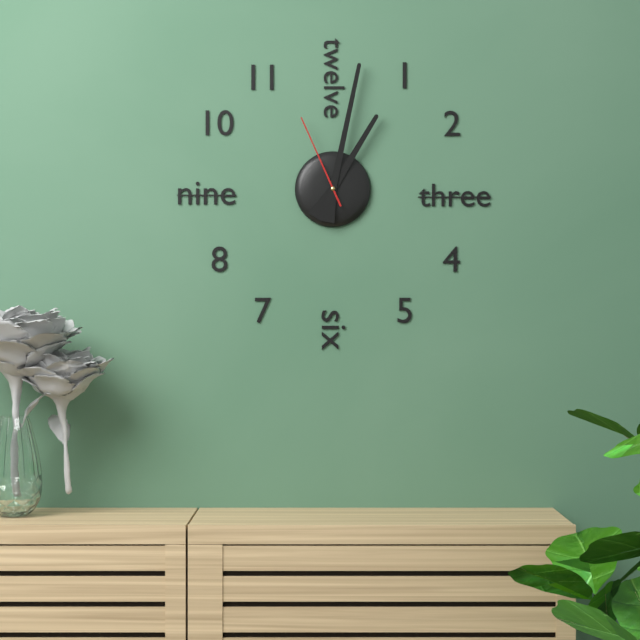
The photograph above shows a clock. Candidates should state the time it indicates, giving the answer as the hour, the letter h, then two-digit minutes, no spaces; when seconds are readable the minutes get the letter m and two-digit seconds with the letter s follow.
1h02m56s
